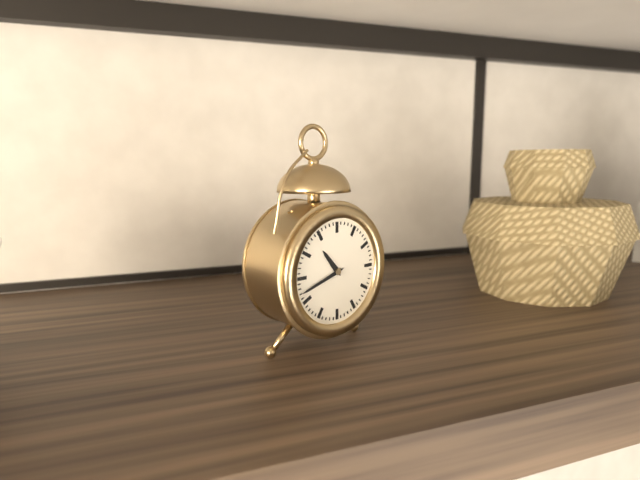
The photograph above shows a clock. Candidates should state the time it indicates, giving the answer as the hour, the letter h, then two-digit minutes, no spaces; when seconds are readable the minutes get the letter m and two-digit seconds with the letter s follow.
10h42
